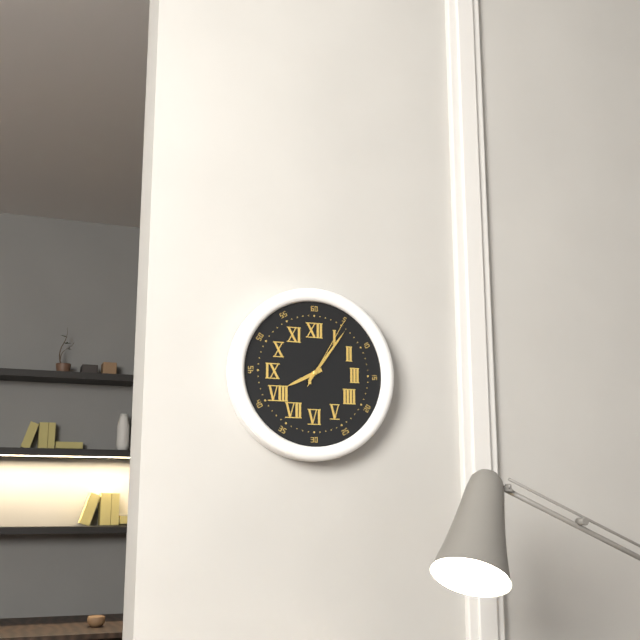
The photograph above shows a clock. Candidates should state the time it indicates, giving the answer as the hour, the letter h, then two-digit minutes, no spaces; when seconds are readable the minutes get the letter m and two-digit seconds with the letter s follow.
8h06m05s
